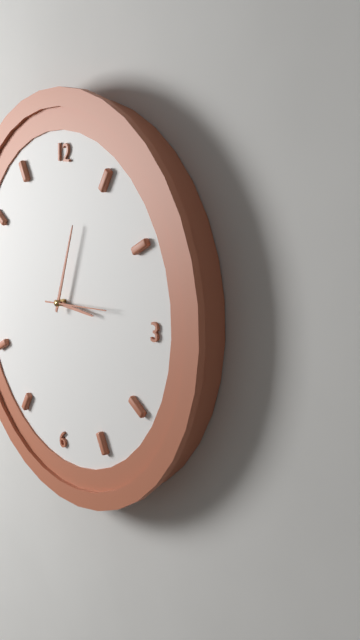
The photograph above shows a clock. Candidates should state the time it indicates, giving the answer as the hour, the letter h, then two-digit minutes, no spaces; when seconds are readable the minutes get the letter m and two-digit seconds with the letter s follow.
3h03m14s
